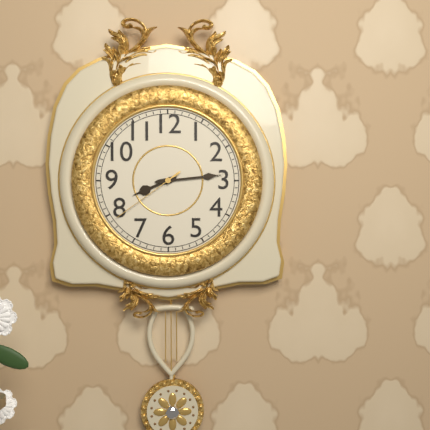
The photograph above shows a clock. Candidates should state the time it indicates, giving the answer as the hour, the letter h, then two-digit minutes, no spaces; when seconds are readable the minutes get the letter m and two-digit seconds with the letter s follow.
8h14m39s
